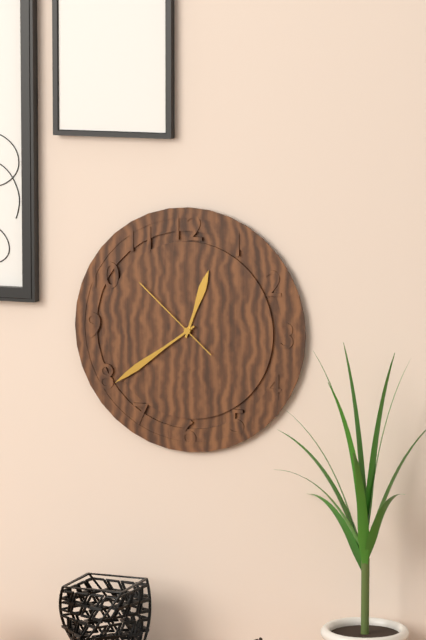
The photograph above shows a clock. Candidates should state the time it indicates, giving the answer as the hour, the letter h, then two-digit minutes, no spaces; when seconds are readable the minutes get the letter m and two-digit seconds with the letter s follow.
12h39m52s
